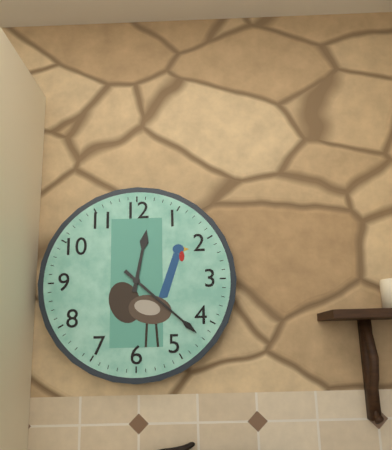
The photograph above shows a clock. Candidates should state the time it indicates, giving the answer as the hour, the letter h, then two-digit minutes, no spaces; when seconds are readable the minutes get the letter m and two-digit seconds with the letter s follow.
12h22
